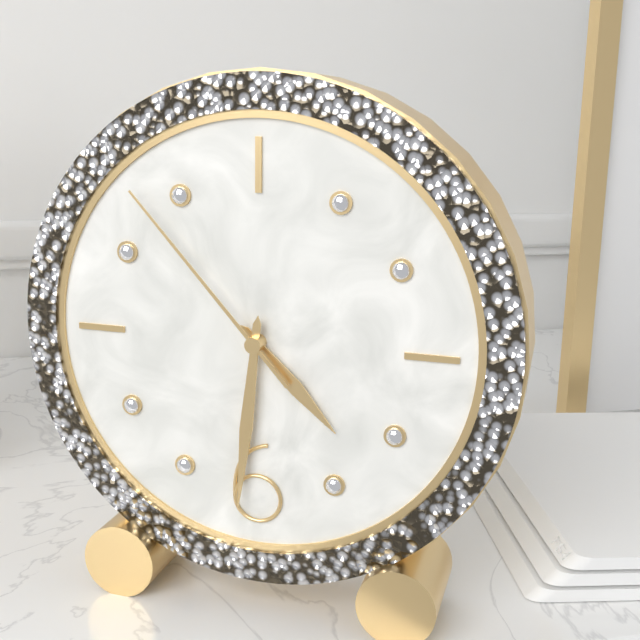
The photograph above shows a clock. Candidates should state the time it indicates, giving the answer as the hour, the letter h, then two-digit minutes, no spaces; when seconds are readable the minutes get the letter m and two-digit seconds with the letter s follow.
4h31m53s
